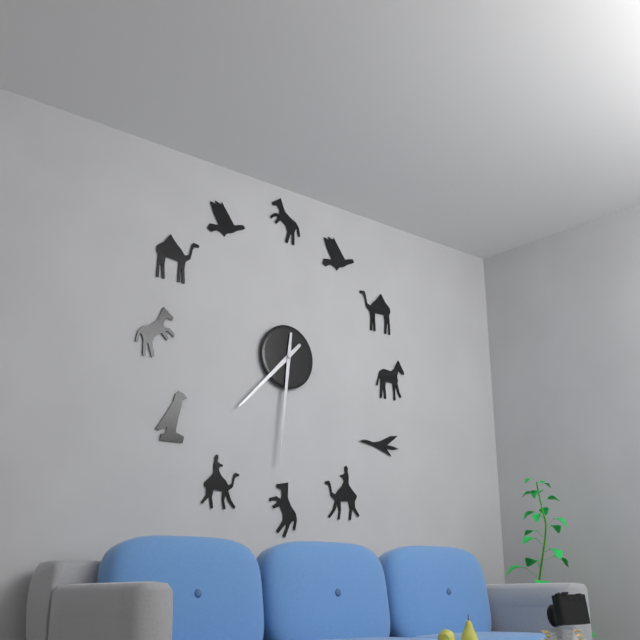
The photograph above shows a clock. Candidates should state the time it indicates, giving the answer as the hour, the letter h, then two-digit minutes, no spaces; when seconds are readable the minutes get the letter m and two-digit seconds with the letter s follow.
7h31
